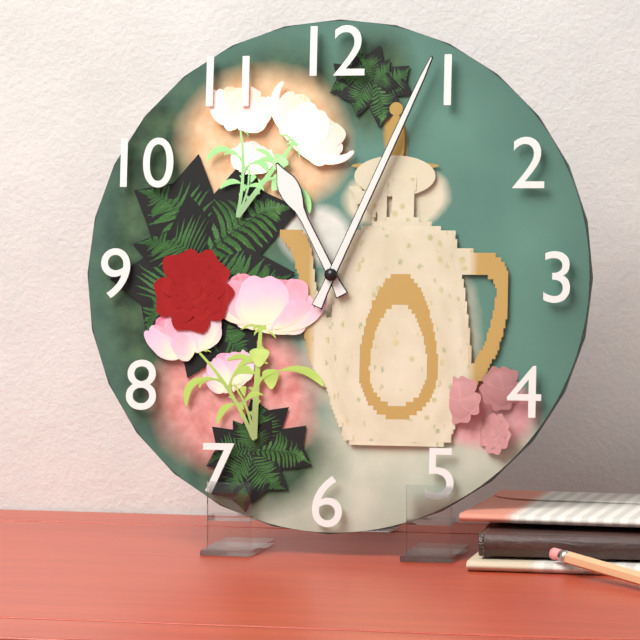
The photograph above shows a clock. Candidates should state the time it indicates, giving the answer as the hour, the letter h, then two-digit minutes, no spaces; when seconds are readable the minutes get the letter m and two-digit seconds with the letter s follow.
11h04
